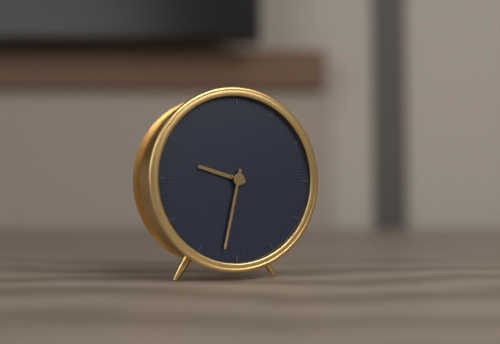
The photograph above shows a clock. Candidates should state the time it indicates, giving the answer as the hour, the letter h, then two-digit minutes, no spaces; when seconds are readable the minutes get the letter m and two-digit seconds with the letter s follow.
9h32
